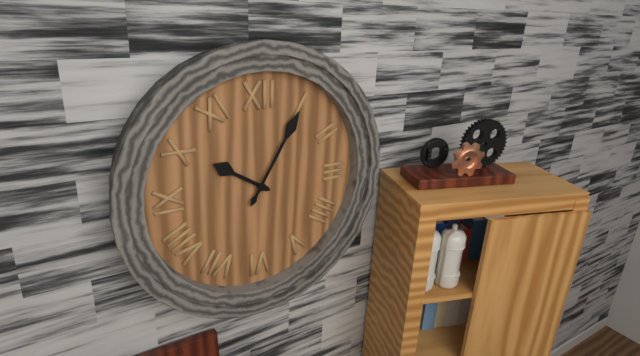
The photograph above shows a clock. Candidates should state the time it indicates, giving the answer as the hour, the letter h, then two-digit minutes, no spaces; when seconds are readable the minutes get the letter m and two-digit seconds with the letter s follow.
10h05
